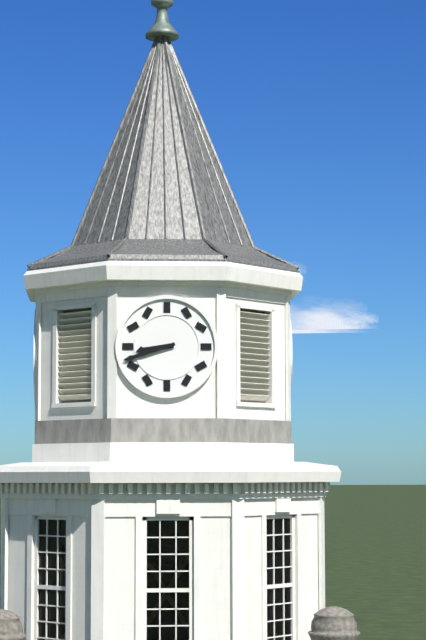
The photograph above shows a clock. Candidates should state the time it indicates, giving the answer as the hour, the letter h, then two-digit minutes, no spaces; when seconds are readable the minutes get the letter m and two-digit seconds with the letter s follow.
8h42
